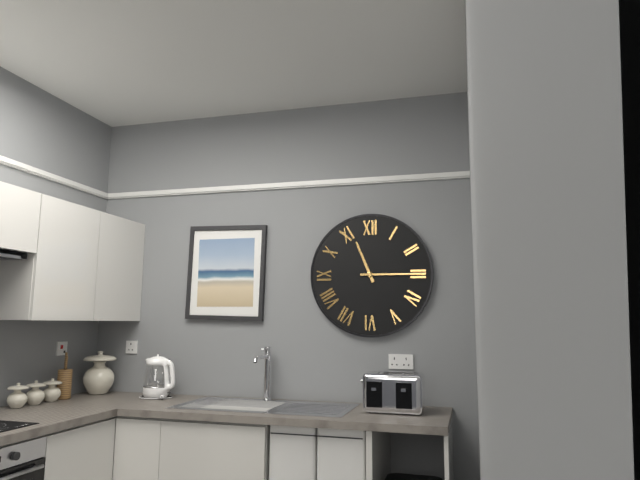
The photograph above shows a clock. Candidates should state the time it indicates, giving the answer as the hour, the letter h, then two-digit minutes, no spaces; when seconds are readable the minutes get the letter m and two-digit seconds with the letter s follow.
11h15
